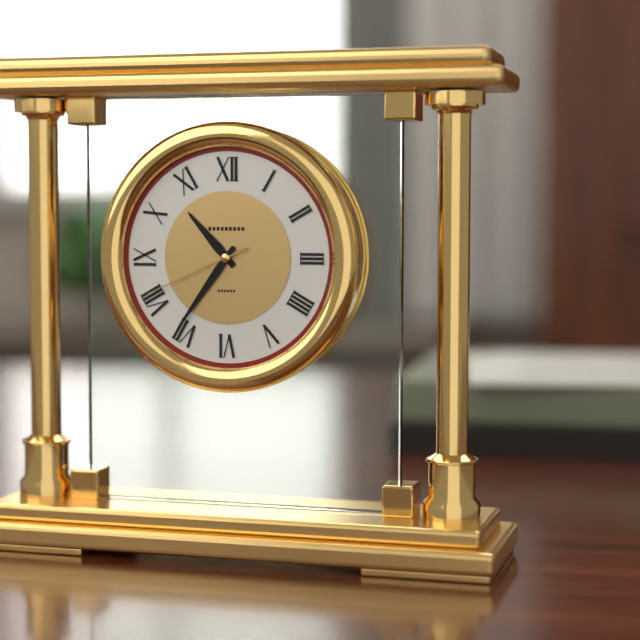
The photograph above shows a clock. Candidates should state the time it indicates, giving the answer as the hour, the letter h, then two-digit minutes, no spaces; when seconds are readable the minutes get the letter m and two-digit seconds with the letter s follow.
10h36m41s
